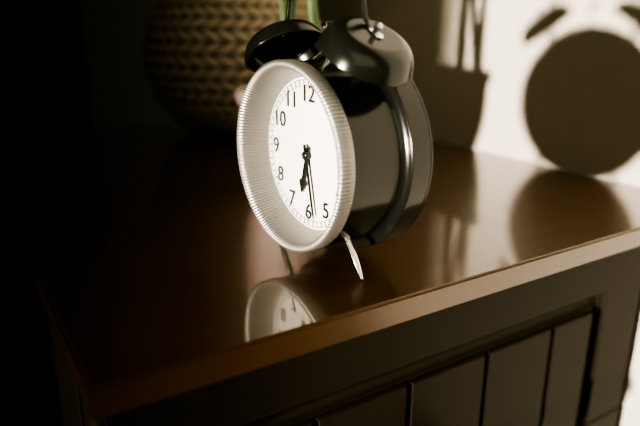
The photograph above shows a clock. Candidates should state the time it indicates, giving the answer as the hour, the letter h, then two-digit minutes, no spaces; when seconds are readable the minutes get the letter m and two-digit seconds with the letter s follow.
6h28
